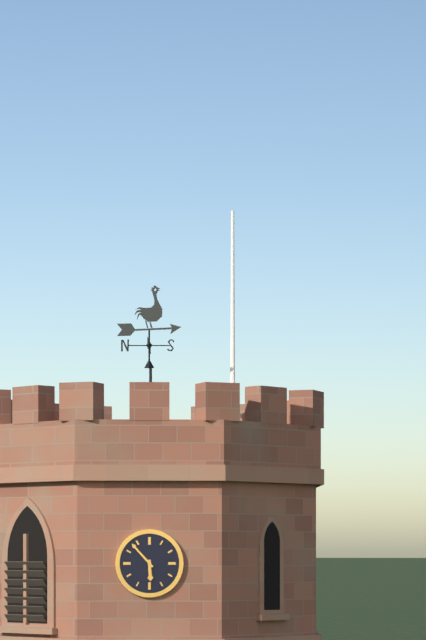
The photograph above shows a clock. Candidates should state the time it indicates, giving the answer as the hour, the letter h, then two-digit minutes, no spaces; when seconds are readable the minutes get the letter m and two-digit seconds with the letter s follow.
5h53
